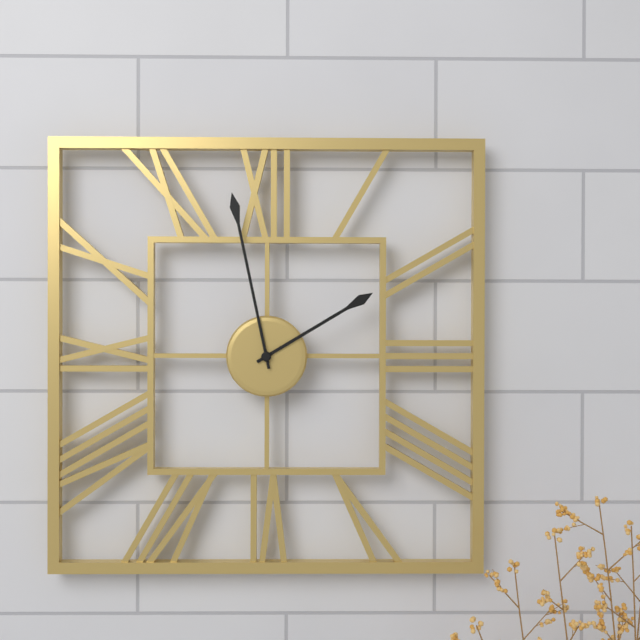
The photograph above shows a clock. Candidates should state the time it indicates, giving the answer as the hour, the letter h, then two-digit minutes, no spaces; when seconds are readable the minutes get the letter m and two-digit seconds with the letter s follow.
1h58
